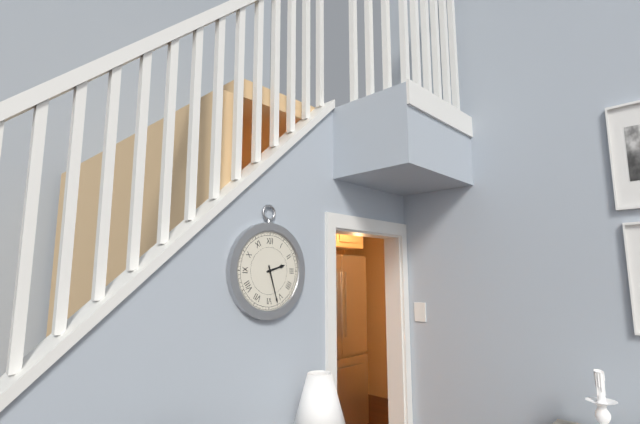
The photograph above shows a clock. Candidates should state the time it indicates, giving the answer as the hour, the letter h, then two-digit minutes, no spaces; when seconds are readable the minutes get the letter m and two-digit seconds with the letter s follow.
2h27
